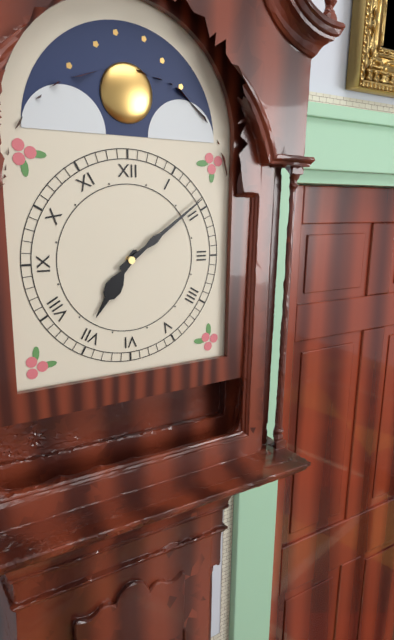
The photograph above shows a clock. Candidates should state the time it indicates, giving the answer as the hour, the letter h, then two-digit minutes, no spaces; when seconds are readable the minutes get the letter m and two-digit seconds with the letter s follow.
7h09
